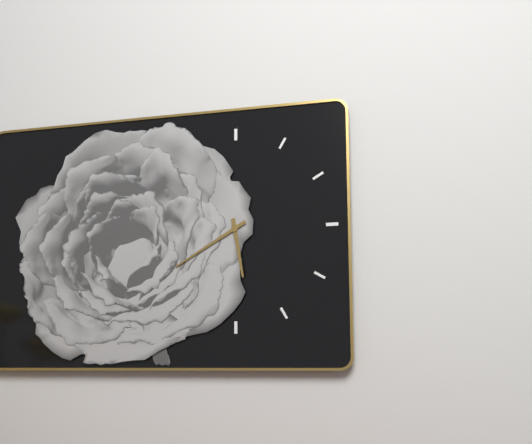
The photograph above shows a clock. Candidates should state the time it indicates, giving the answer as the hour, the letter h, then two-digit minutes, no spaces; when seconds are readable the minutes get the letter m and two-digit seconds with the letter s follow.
5h40
